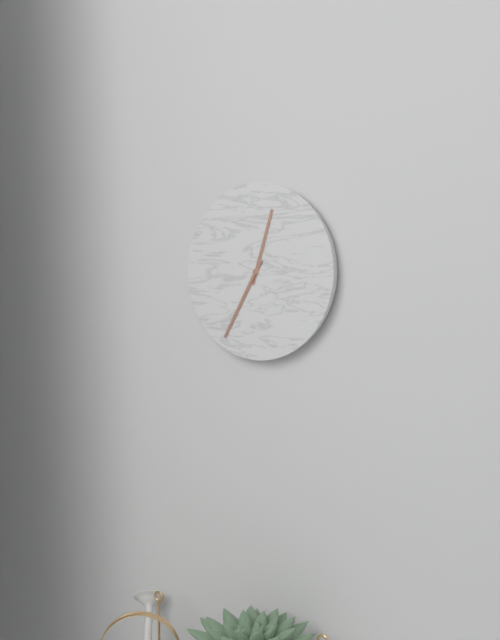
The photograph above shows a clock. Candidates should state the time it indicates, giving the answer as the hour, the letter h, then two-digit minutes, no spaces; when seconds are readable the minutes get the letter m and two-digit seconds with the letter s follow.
12h35
